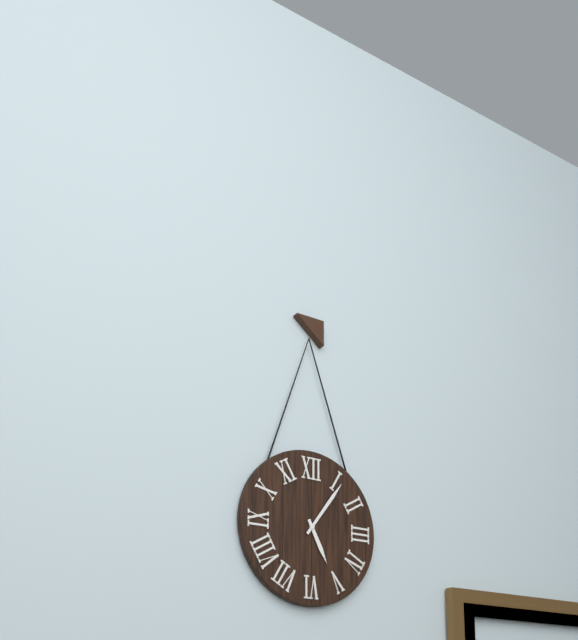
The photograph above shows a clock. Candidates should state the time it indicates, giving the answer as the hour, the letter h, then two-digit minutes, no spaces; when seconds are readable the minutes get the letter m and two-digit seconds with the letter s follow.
5h06
